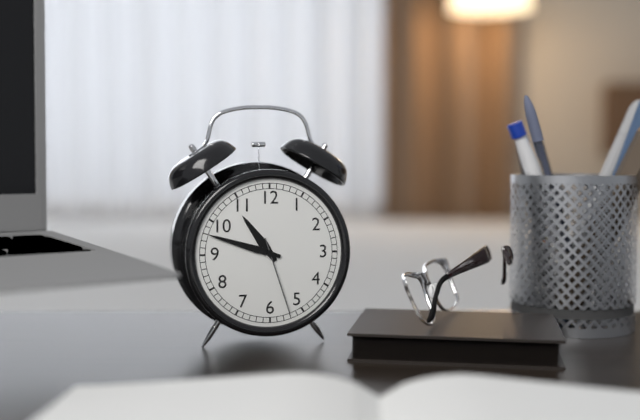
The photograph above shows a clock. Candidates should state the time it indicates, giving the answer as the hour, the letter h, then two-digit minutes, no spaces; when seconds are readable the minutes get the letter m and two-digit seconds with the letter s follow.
10h48m27s
